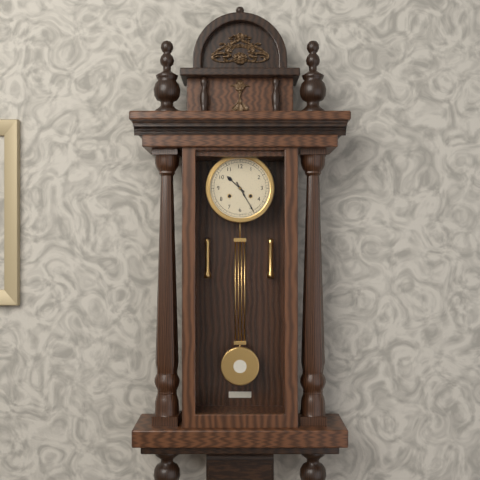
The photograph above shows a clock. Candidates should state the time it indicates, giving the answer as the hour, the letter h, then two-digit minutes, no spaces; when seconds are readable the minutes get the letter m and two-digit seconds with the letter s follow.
10h25
